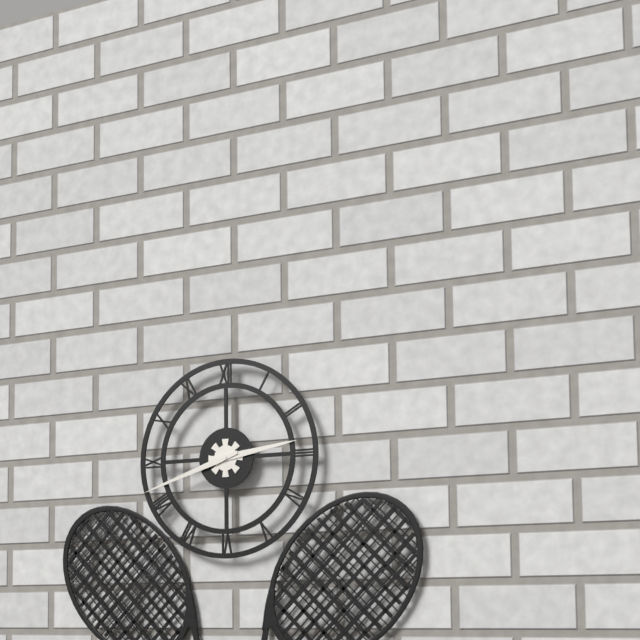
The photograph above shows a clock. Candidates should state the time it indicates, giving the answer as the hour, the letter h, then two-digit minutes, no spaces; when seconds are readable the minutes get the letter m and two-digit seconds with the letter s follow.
2h42
